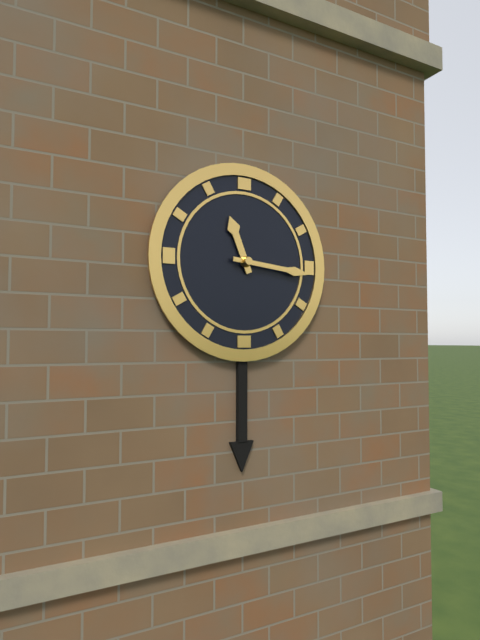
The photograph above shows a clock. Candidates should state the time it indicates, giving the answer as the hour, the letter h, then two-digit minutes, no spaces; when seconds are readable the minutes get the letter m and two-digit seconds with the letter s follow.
11h16
